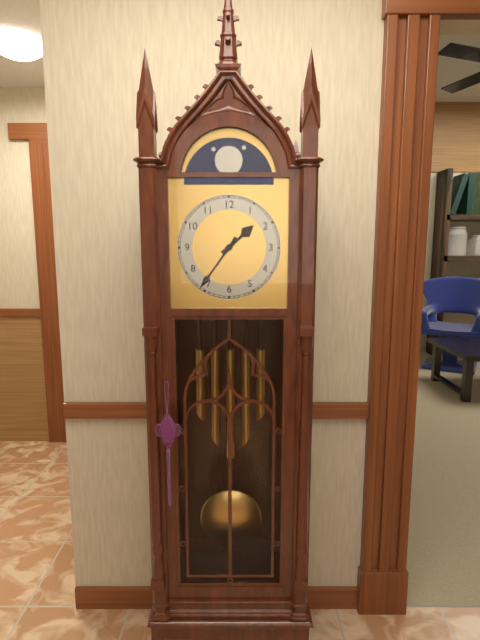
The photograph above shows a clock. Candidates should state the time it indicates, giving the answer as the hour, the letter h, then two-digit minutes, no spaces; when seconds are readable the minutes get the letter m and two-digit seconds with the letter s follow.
1h36
